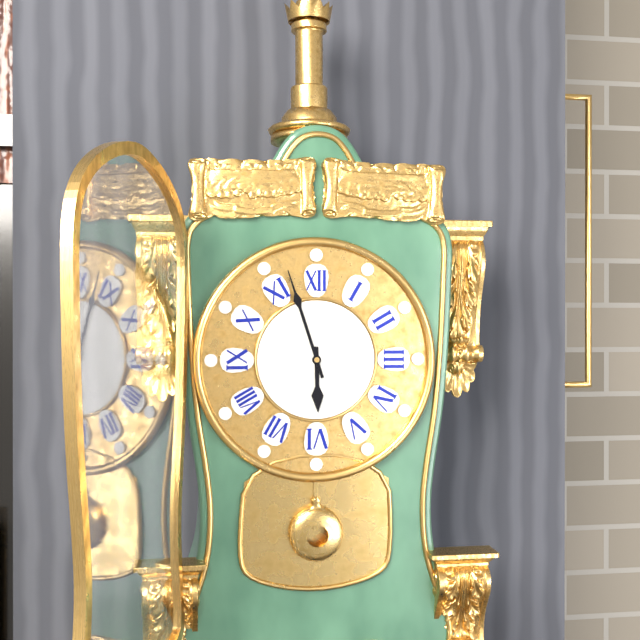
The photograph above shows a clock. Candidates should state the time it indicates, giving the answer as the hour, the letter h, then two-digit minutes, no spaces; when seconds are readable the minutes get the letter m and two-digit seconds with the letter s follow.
5h57
